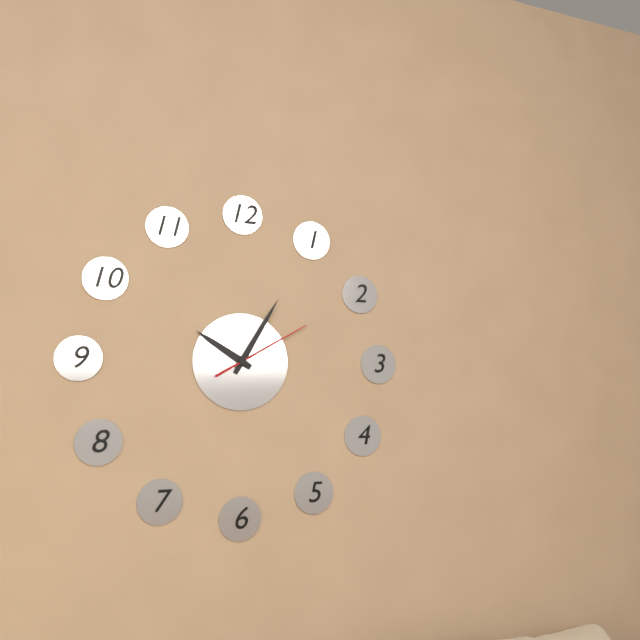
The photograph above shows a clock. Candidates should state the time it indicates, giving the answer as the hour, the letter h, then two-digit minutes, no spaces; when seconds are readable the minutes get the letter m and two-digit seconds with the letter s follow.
10h05m10s
